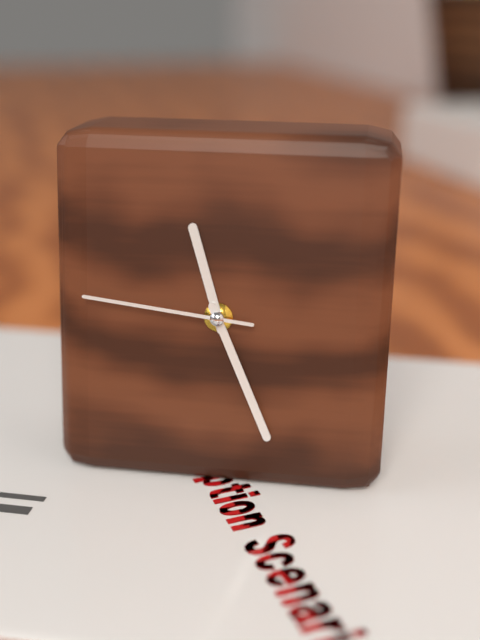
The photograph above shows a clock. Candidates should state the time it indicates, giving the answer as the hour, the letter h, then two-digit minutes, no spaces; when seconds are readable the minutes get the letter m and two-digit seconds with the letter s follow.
11h26m46s
